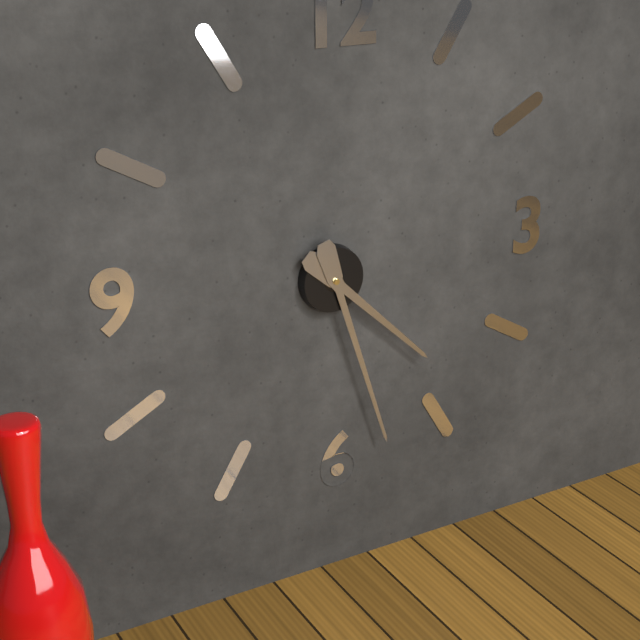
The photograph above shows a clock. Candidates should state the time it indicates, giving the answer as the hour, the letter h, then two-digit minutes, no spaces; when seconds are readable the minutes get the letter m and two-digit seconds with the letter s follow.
4h27
